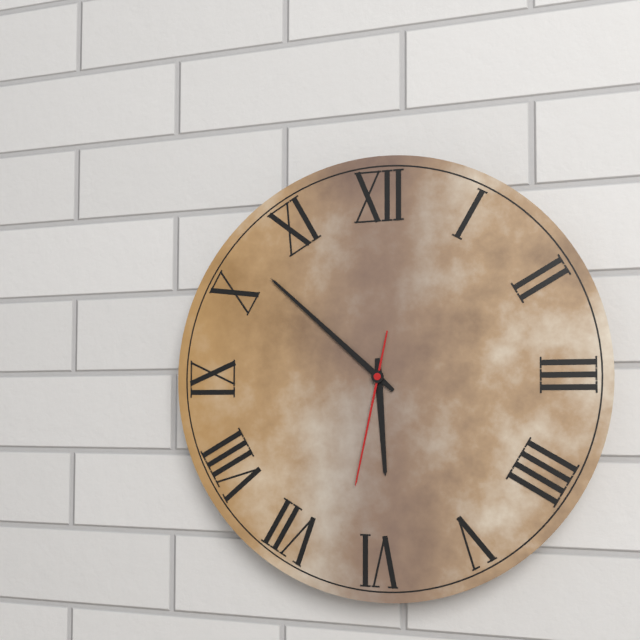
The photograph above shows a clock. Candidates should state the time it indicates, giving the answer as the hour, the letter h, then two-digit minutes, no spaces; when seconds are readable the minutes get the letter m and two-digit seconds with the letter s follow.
5h52m32s
